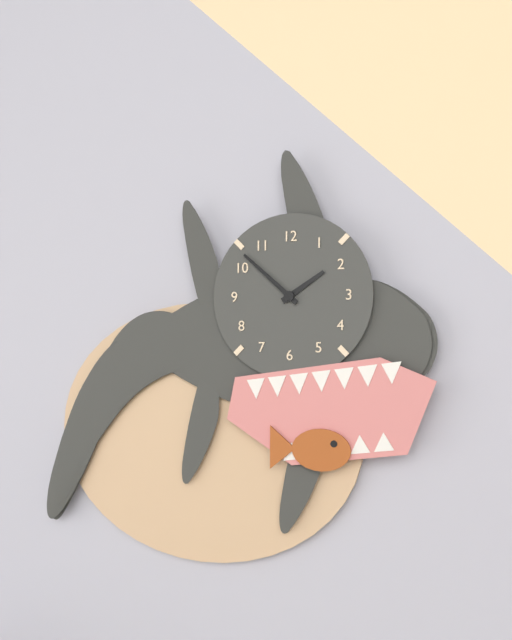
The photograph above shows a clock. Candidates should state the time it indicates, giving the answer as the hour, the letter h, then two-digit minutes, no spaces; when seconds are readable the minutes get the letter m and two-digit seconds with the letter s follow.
1h52
